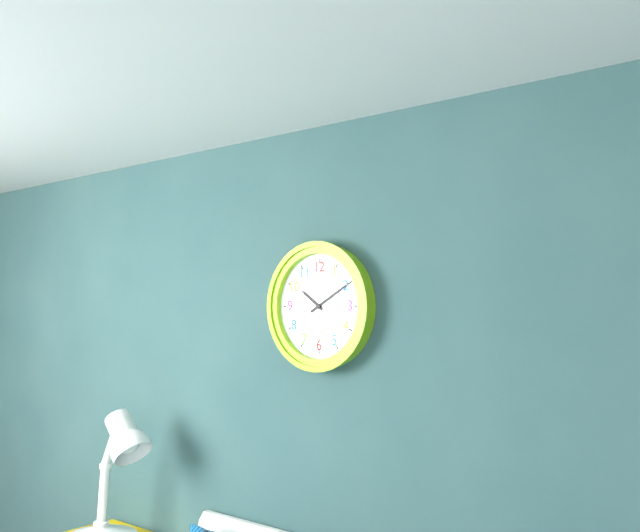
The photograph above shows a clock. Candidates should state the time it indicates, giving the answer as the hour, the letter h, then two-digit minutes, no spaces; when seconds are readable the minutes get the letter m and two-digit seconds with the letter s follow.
10h10
